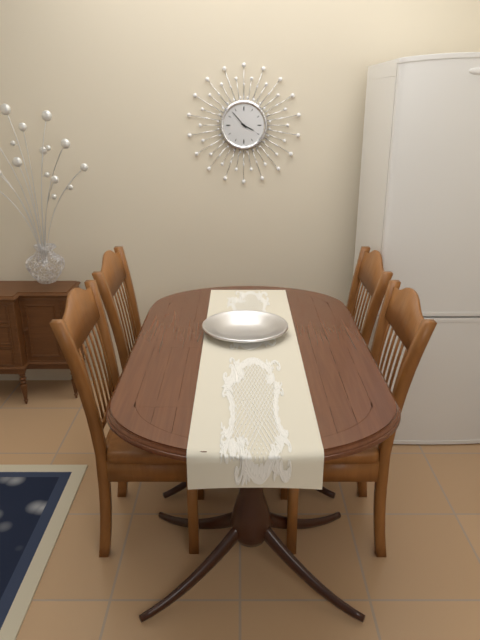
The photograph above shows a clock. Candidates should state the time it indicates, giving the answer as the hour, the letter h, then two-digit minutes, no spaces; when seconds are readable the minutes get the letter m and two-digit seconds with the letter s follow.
3h53
